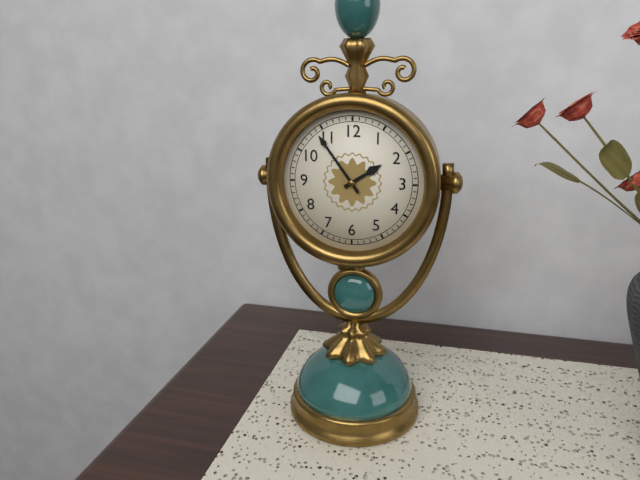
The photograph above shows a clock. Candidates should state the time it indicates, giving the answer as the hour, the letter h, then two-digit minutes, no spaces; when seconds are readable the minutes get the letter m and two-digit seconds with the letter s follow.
1h54
